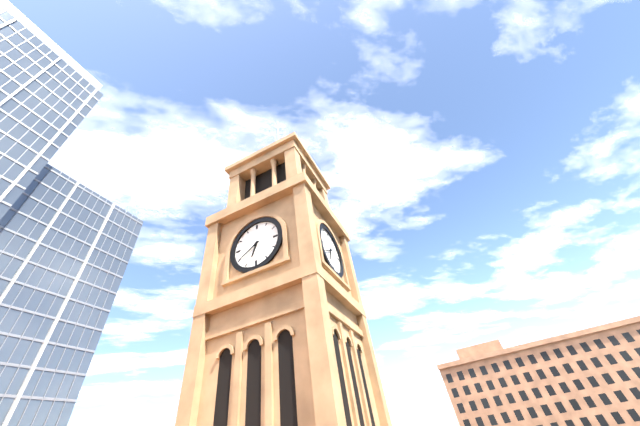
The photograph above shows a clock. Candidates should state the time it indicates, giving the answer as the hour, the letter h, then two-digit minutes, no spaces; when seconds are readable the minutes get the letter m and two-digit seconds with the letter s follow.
6h40
